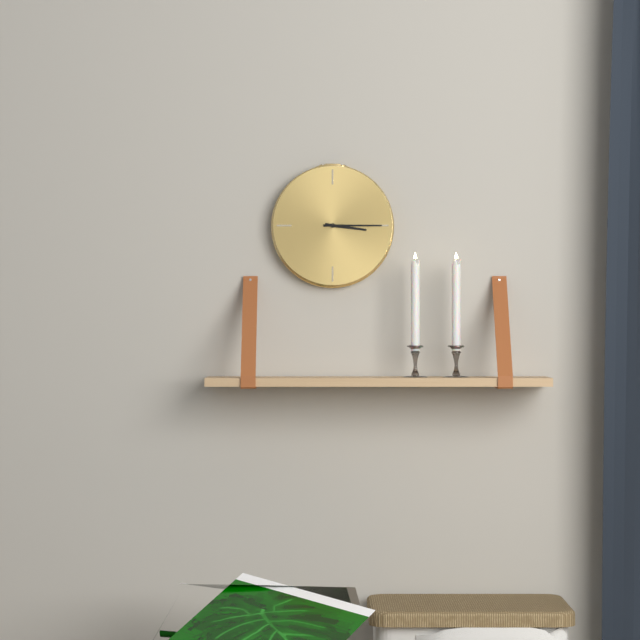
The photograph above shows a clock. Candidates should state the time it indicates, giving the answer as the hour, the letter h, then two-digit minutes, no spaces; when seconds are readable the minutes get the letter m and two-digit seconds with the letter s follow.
3h15
